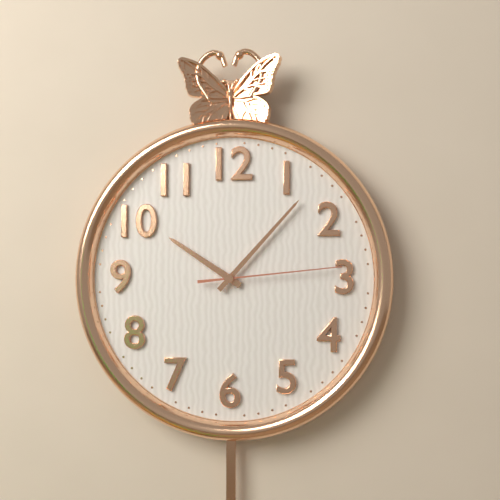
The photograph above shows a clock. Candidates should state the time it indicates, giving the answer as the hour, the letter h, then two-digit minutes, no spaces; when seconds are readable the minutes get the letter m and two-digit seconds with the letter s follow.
10h07m14s
